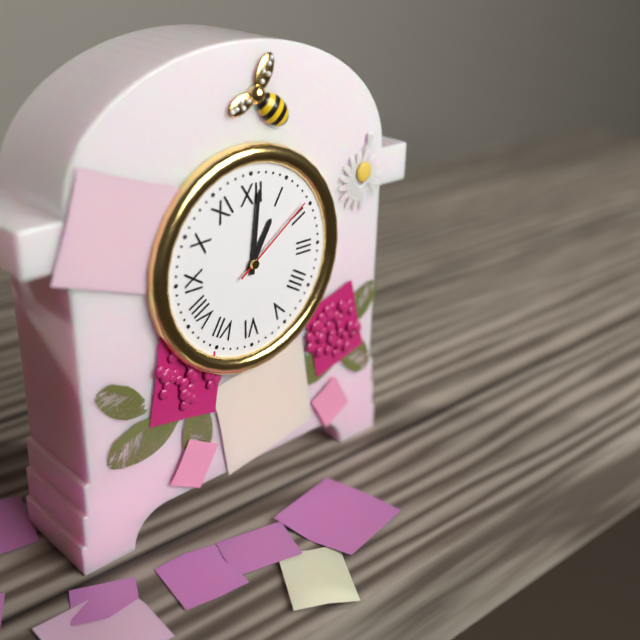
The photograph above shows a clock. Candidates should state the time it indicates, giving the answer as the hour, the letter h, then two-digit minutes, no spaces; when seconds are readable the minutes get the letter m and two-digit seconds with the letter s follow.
1h01m09s
